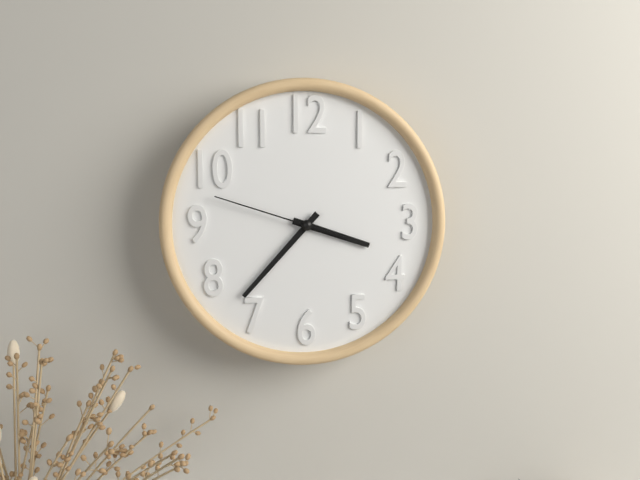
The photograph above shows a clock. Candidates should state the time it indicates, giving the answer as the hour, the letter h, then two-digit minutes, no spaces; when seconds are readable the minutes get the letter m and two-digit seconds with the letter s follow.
3h37m48s
